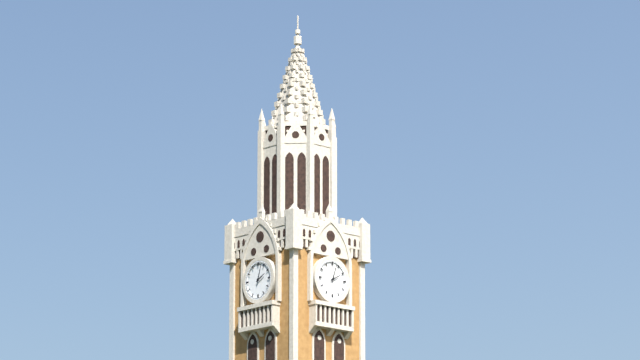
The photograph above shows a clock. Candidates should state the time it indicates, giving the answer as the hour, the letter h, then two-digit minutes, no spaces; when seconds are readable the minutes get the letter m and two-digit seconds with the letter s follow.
2h03
